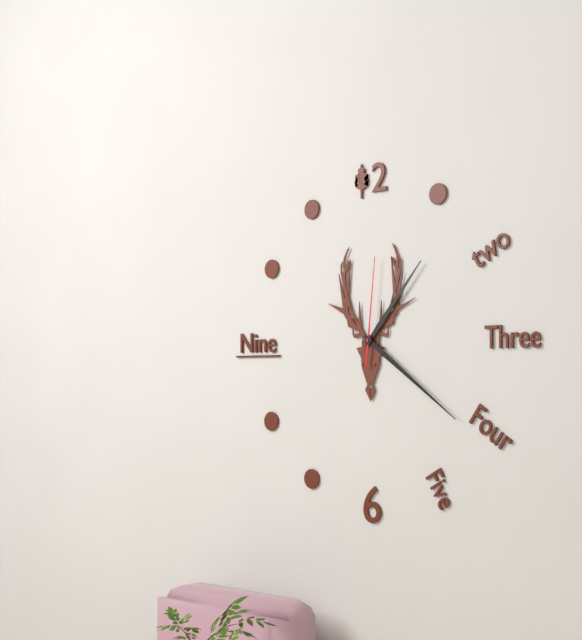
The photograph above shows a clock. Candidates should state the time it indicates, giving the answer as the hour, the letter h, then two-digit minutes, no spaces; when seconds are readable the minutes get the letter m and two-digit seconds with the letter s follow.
1h21m01s
